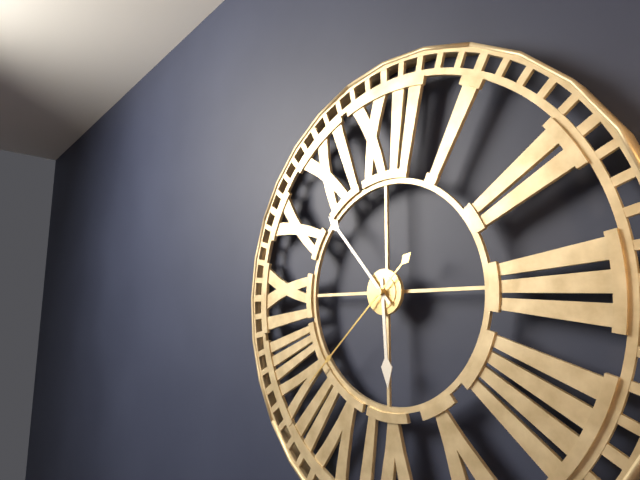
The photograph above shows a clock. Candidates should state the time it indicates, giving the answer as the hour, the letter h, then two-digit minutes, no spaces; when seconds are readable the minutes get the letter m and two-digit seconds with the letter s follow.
5h53m38s
